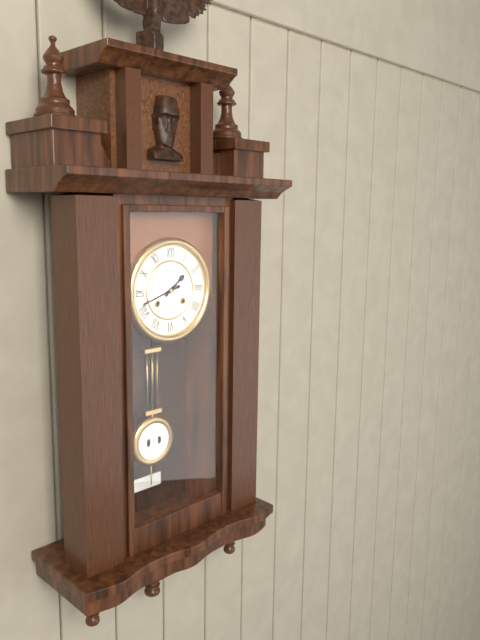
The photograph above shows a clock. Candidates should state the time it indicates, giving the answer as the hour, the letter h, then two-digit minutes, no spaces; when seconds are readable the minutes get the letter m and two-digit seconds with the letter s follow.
1h42
